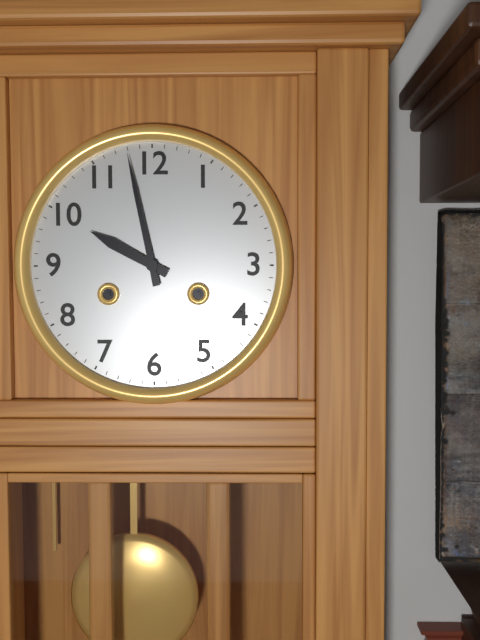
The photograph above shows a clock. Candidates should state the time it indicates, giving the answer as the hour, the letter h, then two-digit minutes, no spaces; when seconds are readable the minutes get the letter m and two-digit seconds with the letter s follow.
9h58
